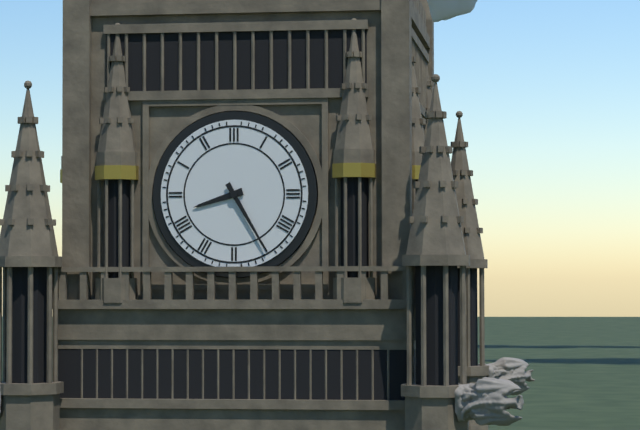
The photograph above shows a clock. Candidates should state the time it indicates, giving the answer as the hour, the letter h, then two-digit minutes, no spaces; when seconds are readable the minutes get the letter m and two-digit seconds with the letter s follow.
8h25
